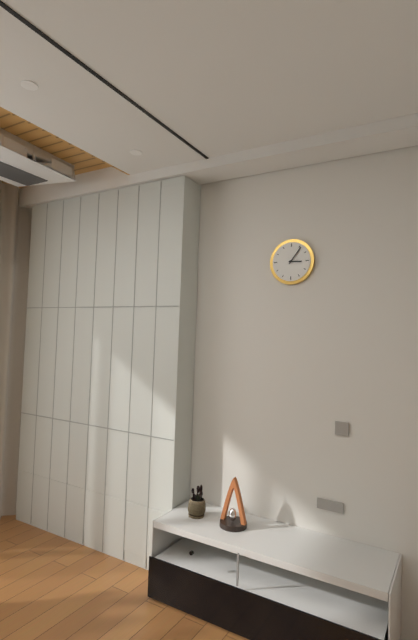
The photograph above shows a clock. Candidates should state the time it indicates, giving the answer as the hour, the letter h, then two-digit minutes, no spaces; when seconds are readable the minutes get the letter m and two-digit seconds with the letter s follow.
3h06
